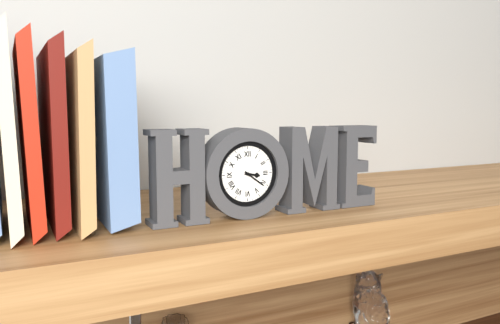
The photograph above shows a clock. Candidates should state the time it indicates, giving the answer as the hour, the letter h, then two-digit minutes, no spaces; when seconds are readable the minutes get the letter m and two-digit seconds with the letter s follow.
3h21
